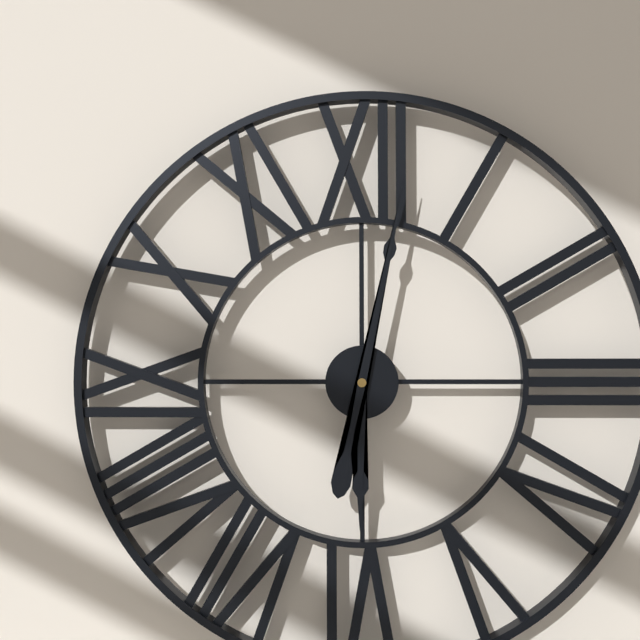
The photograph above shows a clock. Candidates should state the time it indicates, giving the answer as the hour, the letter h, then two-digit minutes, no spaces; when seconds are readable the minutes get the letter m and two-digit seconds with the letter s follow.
6h02
